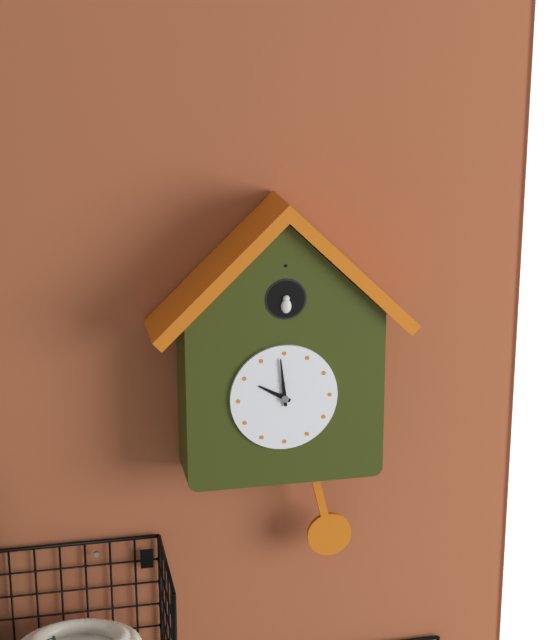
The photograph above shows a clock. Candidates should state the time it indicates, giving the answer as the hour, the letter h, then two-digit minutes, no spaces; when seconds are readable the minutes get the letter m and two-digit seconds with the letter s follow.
9h59
